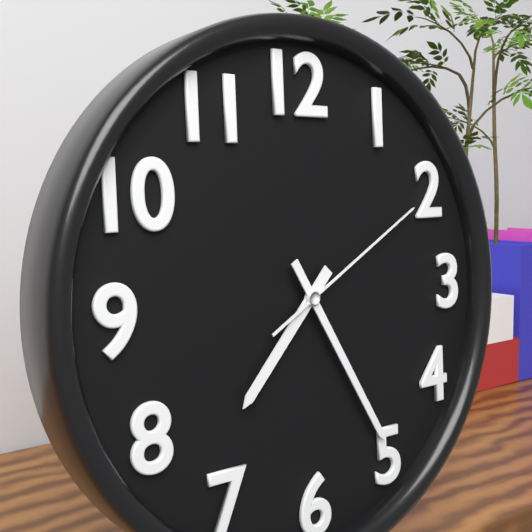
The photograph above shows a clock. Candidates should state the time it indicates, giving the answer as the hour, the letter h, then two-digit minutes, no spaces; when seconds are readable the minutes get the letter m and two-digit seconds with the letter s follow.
7h25m10s
